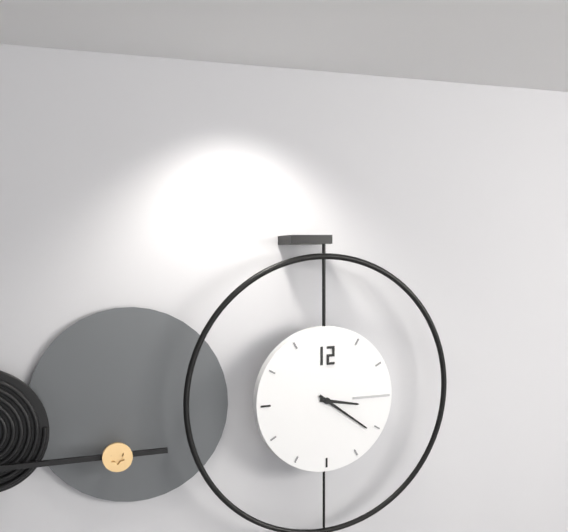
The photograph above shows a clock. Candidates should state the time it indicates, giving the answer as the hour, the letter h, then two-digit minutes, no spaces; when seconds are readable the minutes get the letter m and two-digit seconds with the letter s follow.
3h21
